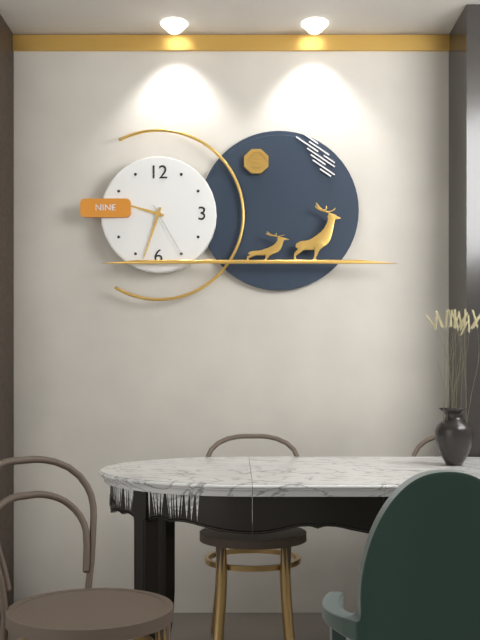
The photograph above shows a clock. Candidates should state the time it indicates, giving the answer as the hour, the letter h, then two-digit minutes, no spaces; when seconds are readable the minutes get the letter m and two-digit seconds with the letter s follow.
9h33m25s
